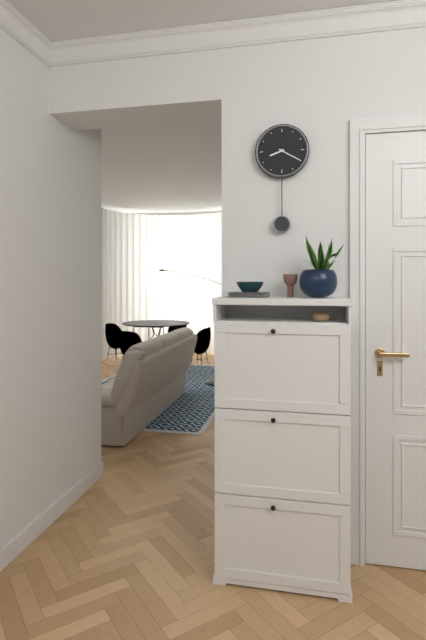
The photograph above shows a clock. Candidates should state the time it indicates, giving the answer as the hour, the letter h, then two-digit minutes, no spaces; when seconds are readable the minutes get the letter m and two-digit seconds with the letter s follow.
8h20
